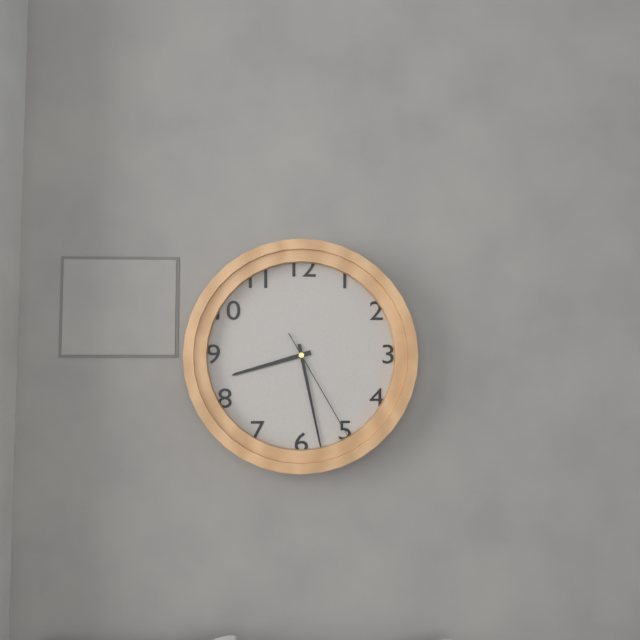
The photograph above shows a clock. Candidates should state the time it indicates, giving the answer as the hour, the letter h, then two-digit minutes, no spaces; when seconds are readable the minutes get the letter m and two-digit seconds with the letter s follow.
8h28m25s
